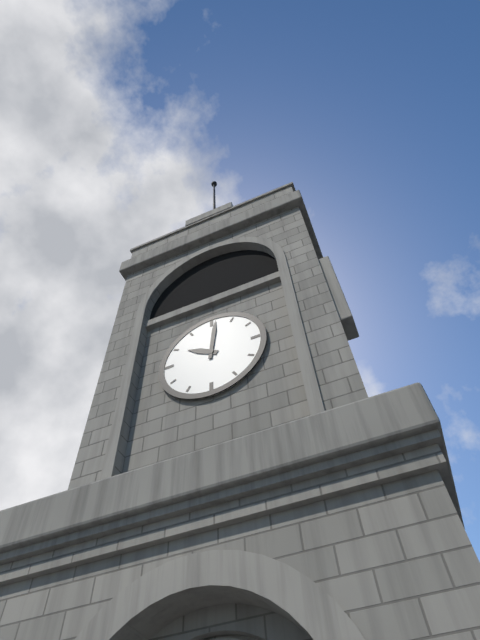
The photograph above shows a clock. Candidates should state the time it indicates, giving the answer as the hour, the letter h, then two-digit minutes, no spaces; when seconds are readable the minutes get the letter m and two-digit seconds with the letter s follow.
10h01
